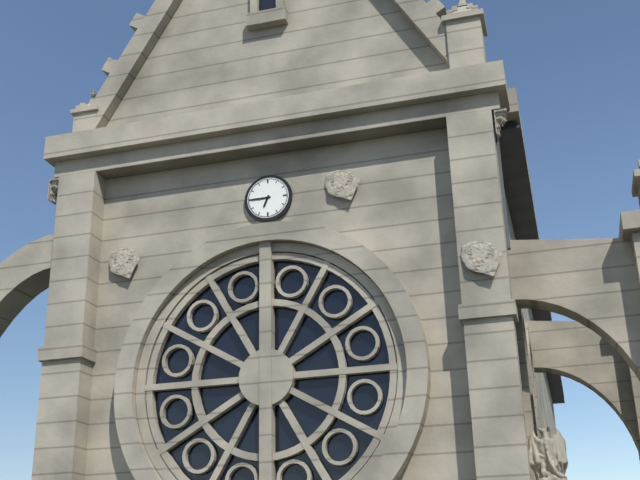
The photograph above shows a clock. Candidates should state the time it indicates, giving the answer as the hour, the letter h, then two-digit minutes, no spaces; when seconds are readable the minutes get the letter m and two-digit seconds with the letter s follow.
6h45
